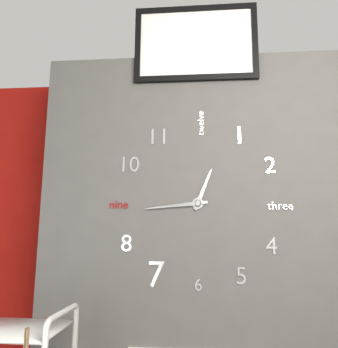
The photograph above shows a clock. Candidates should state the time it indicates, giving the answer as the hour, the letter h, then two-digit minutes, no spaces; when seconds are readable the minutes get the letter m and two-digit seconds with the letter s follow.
12h44
